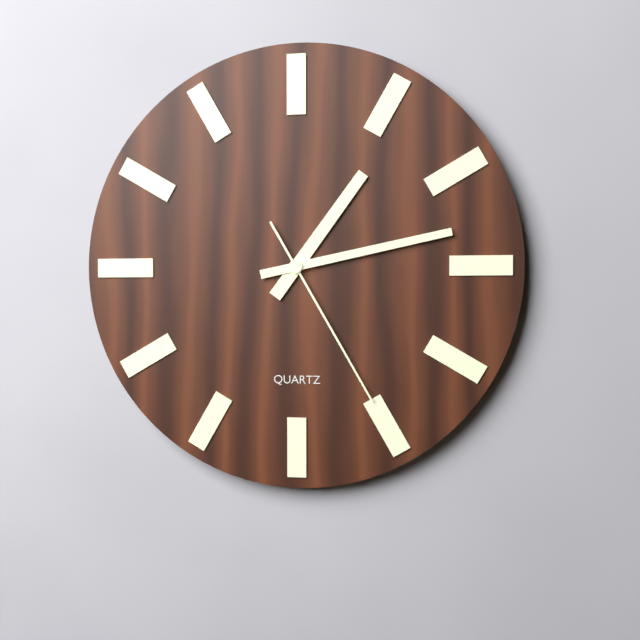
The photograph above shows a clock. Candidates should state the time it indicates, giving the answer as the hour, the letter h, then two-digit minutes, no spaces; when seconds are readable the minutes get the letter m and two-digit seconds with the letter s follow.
1h13m25s
